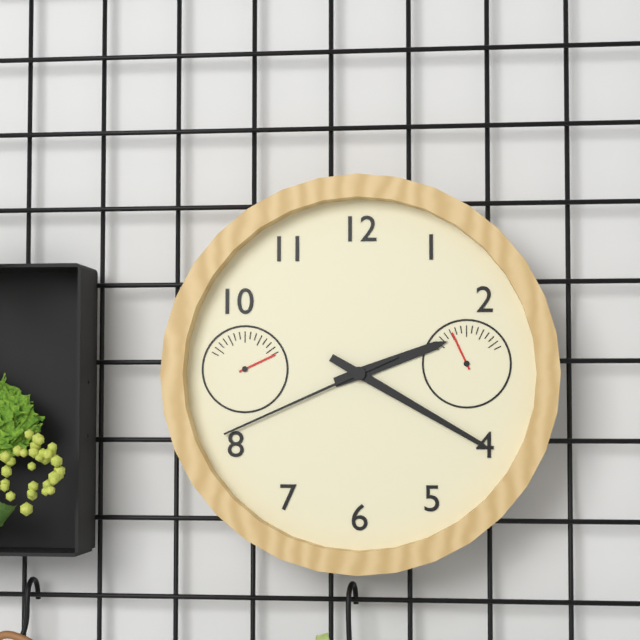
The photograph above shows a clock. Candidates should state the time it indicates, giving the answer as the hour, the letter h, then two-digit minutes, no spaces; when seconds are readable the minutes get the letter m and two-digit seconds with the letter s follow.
2h20m41s
